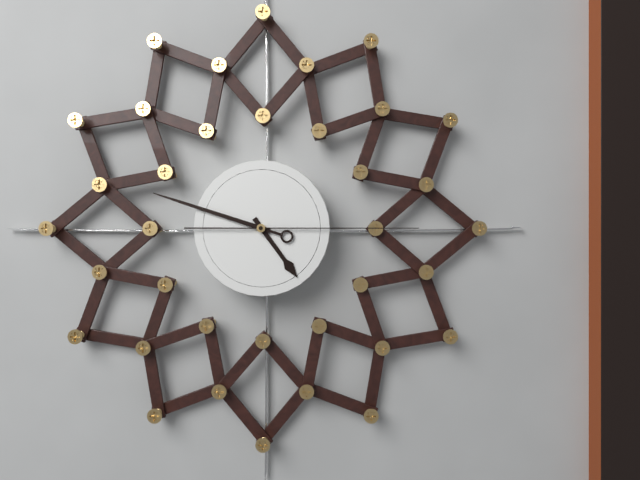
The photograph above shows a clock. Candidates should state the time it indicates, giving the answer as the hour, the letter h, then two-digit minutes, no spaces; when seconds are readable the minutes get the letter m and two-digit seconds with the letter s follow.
4h48m15s
